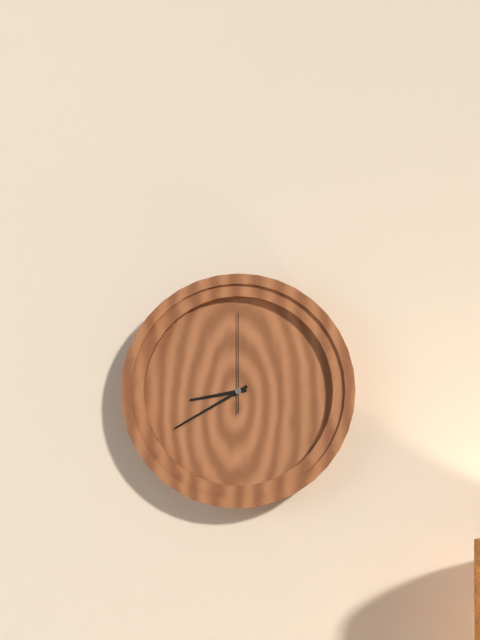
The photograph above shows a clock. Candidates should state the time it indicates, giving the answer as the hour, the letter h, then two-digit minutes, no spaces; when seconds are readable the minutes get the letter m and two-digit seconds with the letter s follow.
8h40m00s
